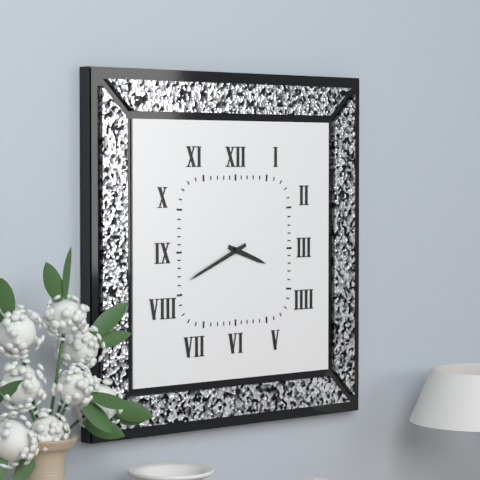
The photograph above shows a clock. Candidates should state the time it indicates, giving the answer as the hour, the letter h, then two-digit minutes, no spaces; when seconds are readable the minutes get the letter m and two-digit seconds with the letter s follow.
3h41
